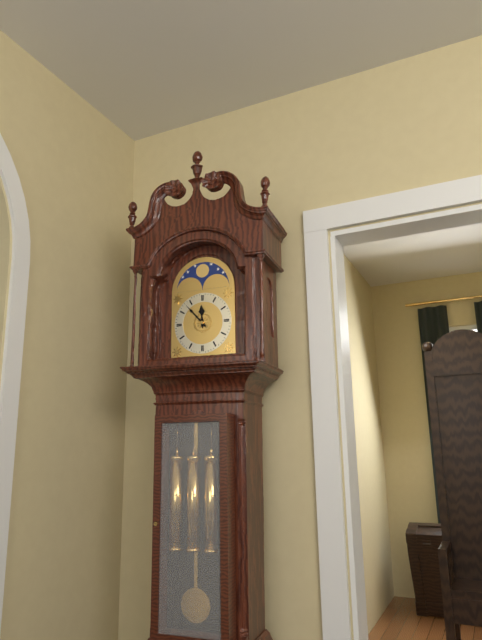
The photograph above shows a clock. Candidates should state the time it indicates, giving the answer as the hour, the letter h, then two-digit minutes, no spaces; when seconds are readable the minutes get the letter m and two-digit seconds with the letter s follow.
11h53
